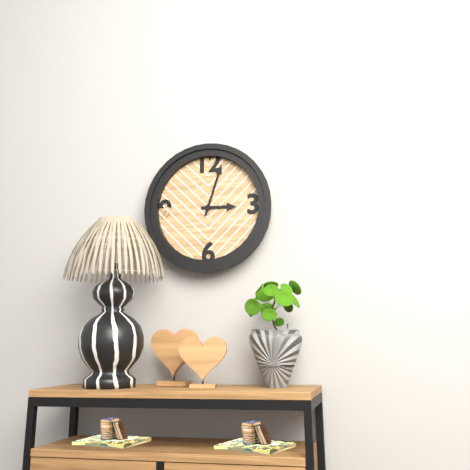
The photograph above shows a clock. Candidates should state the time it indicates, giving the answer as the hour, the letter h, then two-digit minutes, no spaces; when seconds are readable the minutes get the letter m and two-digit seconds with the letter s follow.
3h03
